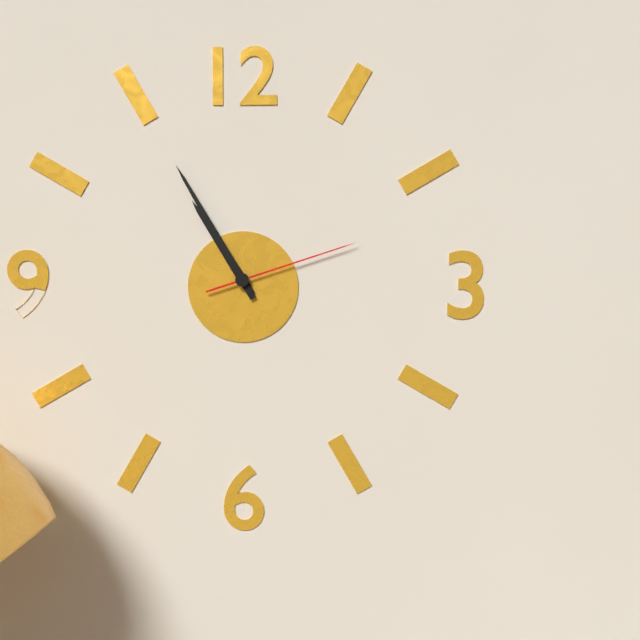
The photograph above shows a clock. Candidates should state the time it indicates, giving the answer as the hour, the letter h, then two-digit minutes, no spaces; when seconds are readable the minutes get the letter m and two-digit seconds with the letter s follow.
10h55m12s
